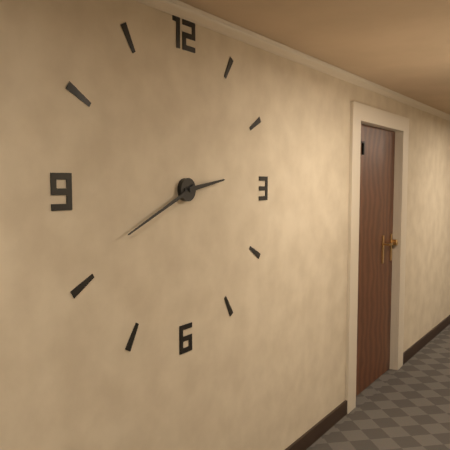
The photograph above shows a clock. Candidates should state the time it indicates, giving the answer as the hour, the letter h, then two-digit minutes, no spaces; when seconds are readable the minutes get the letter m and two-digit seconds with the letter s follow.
2h41
